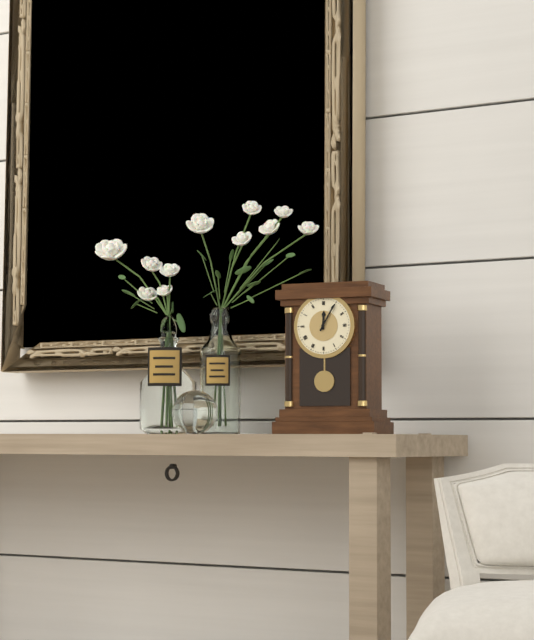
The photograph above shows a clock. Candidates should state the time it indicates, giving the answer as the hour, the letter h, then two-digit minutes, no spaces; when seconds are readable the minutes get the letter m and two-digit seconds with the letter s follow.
12h05
